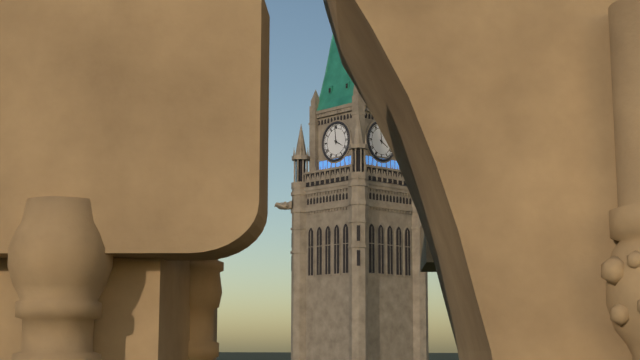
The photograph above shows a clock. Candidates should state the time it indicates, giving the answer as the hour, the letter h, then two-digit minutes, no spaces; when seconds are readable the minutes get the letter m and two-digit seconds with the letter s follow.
3h59
